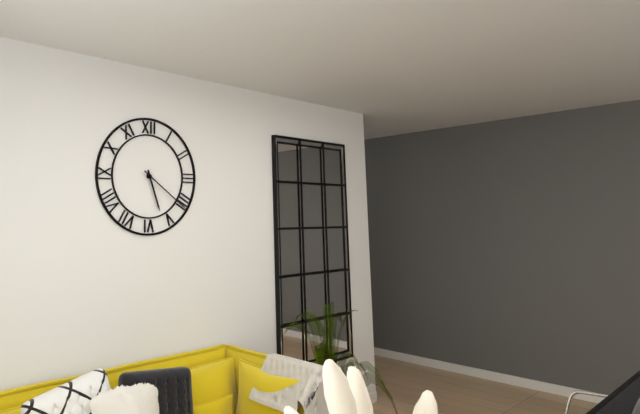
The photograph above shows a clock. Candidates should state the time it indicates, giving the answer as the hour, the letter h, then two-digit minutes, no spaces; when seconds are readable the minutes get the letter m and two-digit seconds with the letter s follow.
5h21
